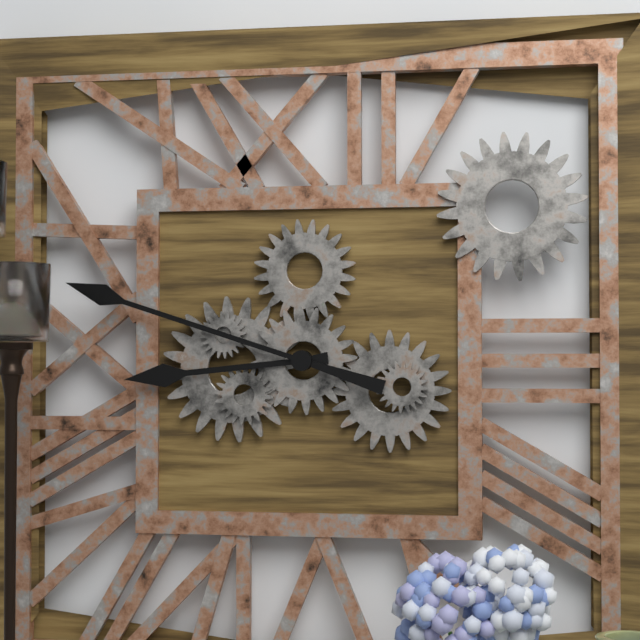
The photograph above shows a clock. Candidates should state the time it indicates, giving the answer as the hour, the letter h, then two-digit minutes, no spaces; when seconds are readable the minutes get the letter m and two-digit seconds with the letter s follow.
8h48
